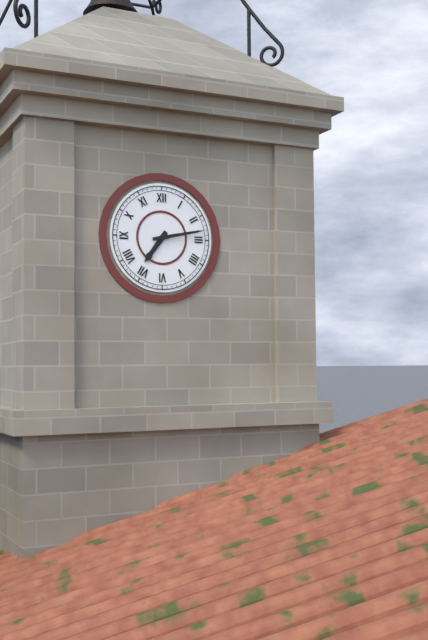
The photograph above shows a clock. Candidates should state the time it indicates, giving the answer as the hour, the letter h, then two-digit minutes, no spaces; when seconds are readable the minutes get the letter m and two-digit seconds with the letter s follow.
7h13
